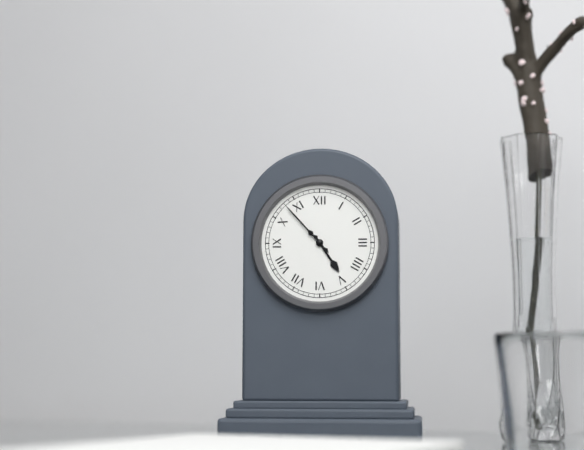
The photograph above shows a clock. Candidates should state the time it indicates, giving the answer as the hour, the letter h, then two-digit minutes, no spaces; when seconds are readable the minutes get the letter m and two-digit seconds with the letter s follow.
4h53
